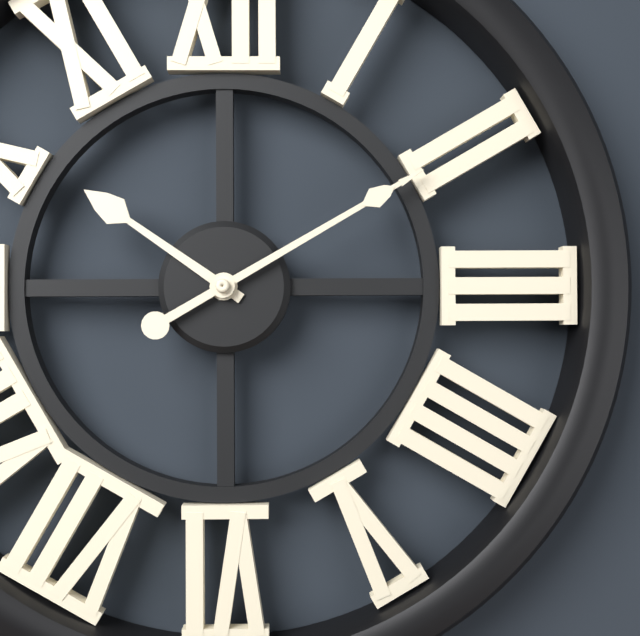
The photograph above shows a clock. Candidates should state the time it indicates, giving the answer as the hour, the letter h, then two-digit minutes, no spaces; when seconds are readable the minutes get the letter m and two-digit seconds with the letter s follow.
10h10
